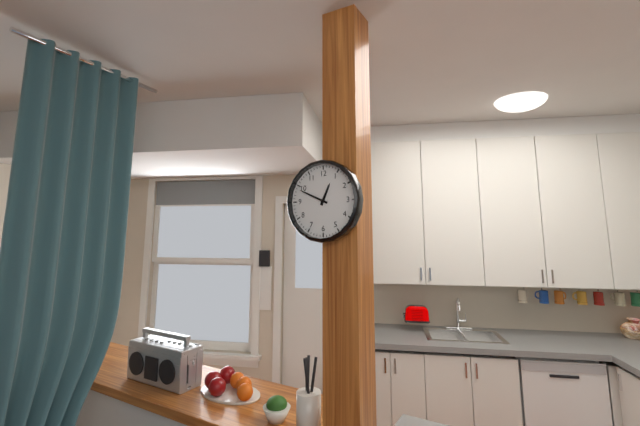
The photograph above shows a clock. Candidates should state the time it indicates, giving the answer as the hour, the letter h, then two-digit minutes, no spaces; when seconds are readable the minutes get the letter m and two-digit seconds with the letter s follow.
12h49
